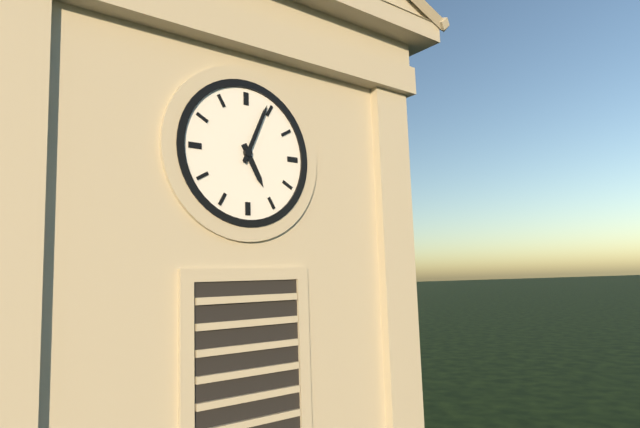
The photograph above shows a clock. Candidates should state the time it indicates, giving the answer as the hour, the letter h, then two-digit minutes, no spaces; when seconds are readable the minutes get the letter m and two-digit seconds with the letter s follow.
5h04
